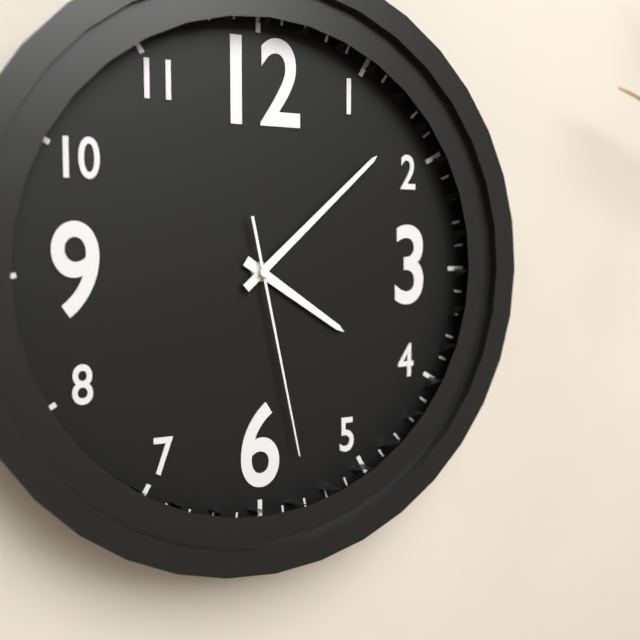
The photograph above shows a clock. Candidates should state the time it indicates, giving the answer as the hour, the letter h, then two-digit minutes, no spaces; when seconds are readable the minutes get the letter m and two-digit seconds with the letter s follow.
4h08m28s
